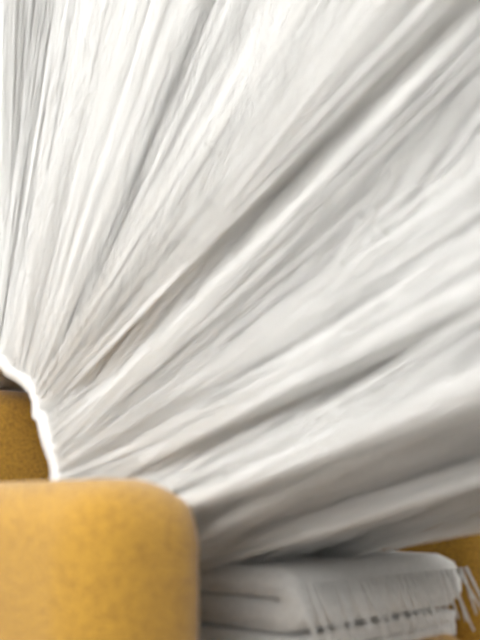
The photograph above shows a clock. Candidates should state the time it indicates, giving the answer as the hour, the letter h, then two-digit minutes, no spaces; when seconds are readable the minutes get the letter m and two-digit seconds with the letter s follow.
3h03
